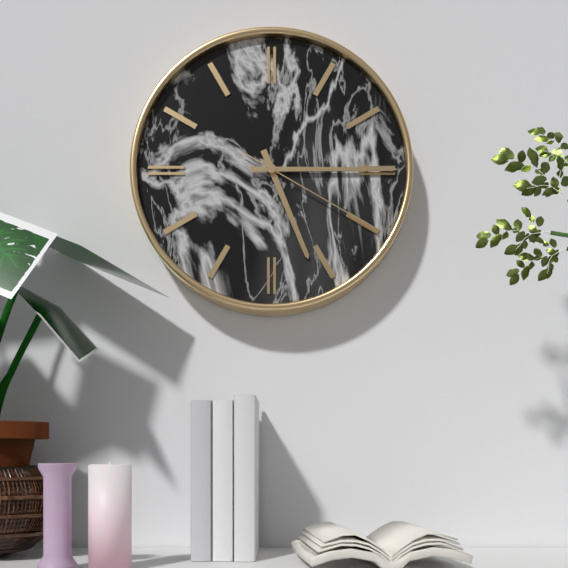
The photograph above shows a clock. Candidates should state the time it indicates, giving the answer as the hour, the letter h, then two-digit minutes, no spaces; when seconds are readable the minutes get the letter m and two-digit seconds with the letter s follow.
5h15m20s
